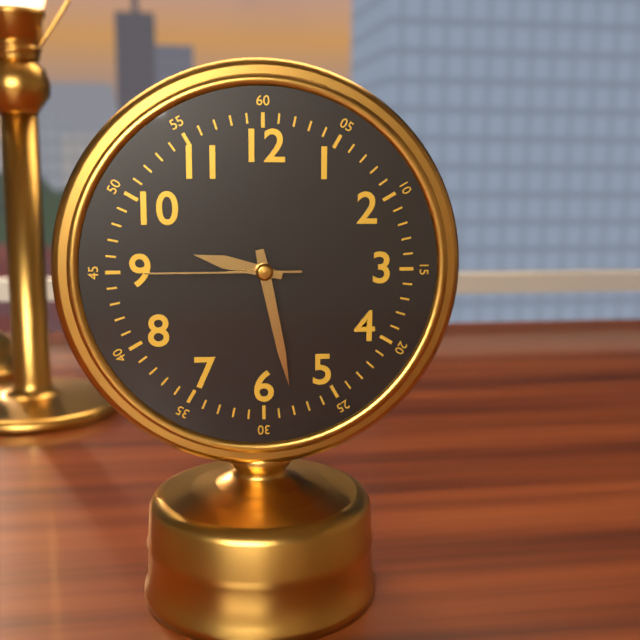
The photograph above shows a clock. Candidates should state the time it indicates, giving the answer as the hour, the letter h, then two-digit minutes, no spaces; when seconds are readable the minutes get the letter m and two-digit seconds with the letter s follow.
9h28m45s
